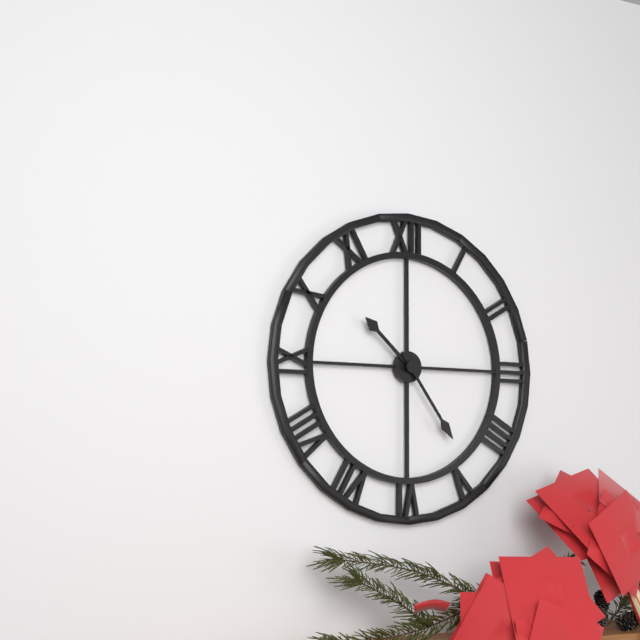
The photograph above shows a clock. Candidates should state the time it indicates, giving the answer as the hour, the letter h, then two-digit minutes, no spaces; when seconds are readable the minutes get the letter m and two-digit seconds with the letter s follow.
10h24
